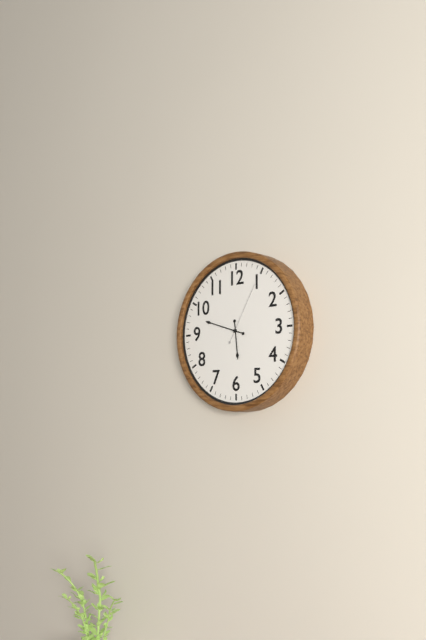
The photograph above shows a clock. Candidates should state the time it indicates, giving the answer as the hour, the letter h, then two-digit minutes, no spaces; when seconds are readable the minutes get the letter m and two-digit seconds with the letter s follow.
5h48m05s
